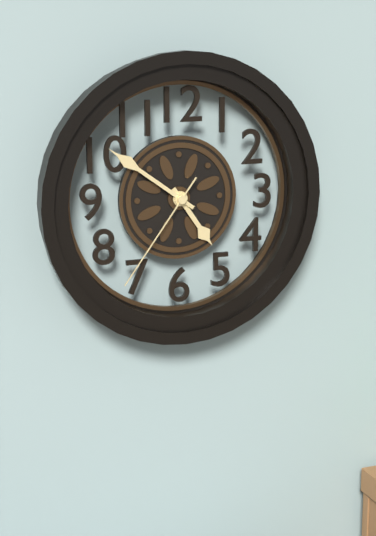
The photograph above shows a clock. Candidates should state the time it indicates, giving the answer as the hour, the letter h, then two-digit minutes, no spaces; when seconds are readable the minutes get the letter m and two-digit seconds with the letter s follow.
4h51m36s
